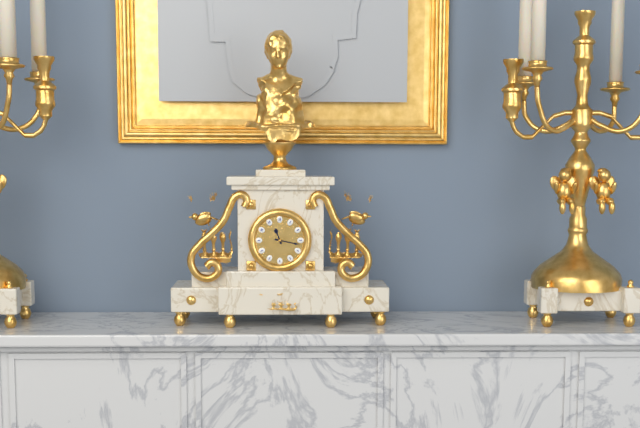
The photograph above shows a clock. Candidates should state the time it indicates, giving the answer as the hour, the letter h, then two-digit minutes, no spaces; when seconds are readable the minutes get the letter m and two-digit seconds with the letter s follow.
11h17
